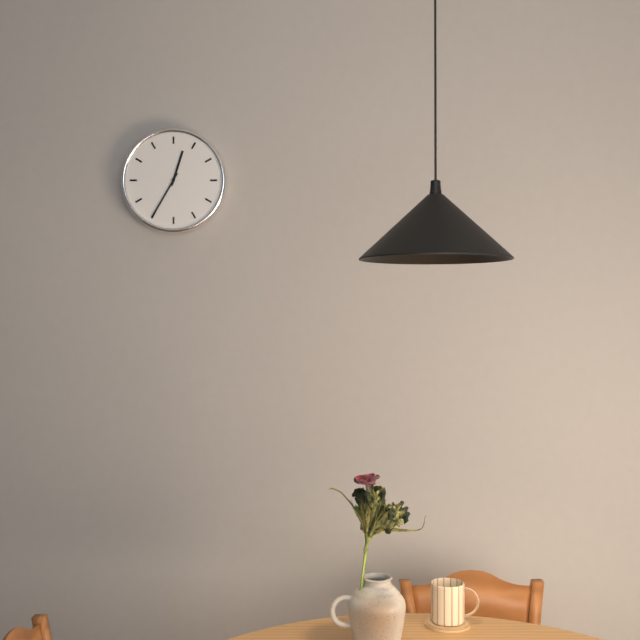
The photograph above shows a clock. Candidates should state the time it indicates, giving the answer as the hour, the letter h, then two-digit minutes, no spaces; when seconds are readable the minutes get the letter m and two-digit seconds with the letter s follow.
12h35
